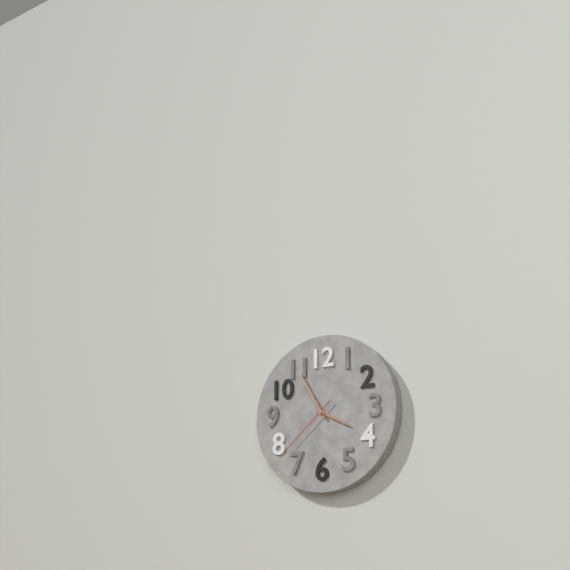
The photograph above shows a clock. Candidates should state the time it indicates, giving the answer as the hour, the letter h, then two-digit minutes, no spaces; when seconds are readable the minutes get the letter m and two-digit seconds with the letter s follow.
3h55m38s
